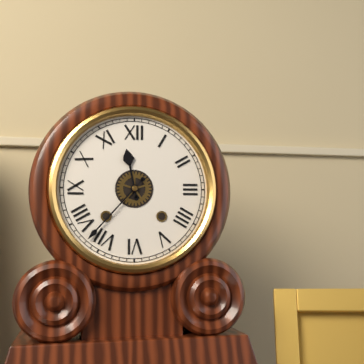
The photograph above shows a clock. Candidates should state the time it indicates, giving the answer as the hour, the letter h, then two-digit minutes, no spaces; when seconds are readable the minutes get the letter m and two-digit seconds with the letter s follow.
11h37
